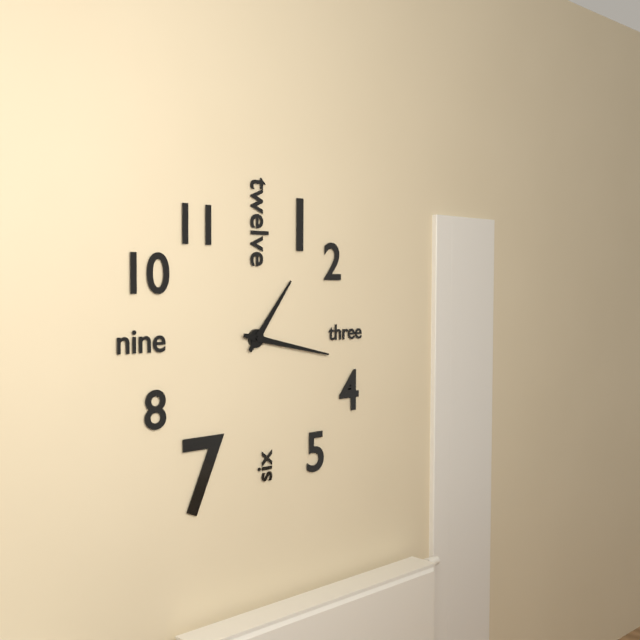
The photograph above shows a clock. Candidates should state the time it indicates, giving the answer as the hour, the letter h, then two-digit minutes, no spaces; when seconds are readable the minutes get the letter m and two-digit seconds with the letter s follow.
1h17
